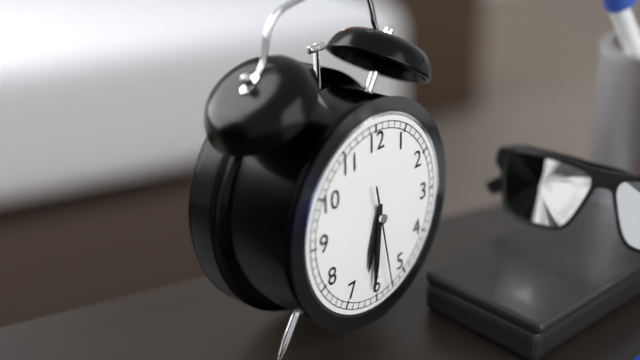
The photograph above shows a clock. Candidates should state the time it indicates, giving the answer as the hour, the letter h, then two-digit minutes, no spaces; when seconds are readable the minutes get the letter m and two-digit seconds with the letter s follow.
6h31m28s
